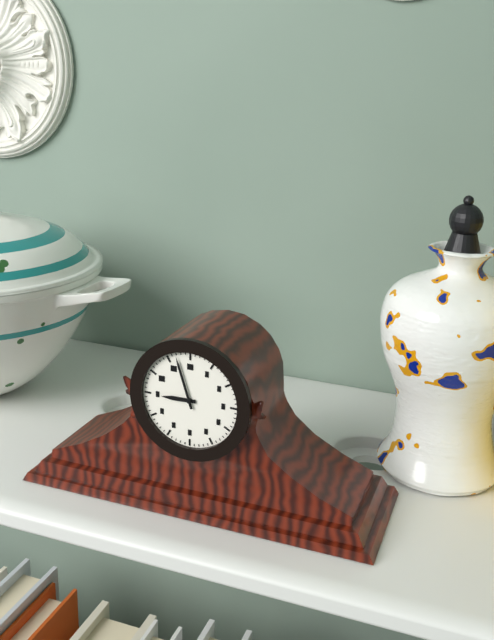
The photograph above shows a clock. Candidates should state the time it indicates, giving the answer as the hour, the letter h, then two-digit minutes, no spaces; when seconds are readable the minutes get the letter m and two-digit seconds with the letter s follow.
8h57
